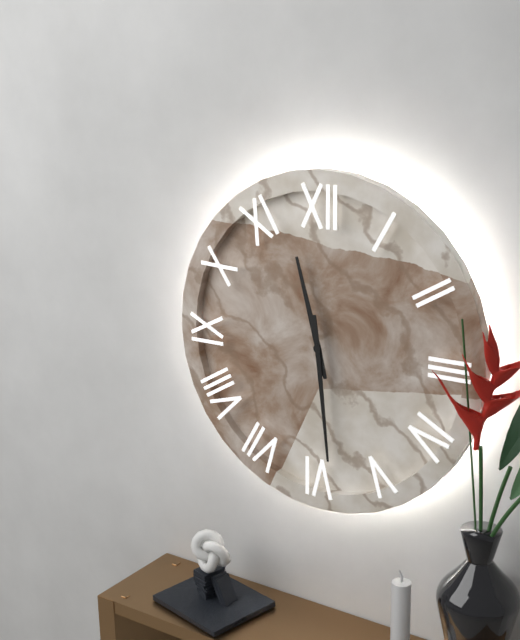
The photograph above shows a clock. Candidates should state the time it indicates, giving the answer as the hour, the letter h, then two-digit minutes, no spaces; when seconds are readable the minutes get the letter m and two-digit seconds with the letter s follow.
11h29
